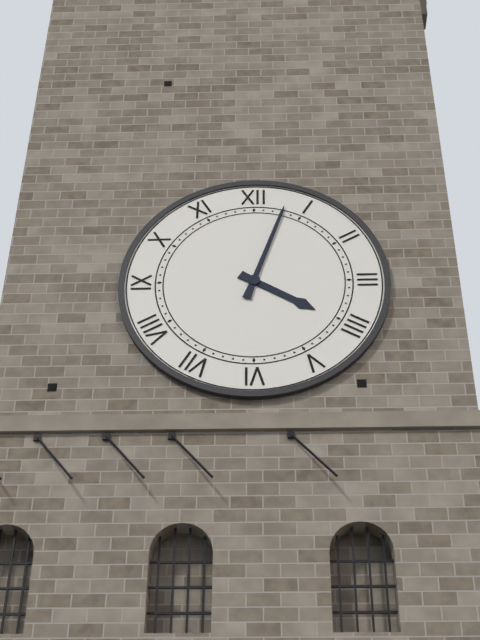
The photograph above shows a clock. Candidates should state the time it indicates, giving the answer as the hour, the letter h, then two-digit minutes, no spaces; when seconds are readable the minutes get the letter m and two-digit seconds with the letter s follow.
4h03
